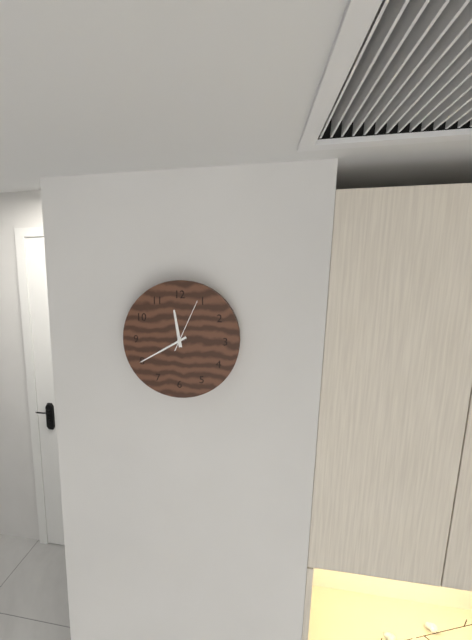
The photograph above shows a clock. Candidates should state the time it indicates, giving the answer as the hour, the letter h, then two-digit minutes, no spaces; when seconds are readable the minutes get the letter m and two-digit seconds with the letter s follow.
11h40m04s
